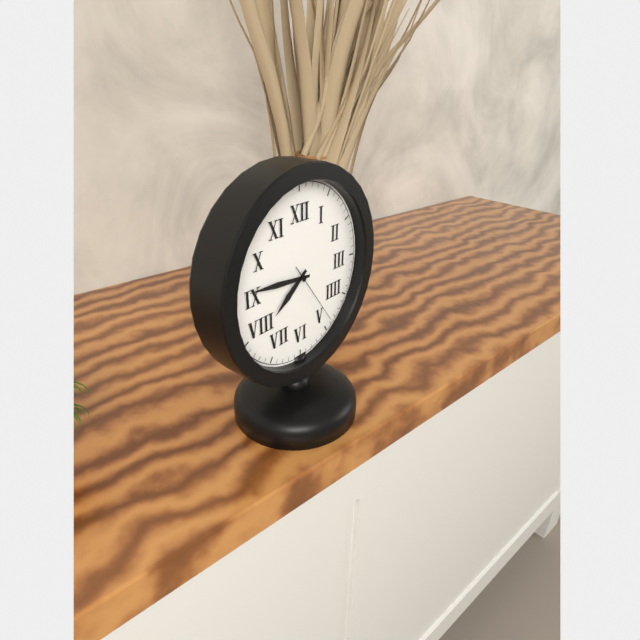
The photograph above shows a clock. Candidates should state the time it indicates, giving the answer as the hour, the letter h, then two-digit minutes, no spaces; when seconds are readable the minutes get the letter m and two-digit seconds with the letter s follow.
7h46m24s
